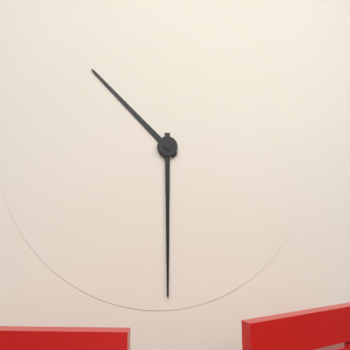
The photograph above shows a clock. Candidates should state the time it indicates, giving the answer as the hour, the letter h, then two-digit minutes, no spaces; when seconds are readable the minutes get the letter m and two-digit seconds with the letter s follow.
10h30
